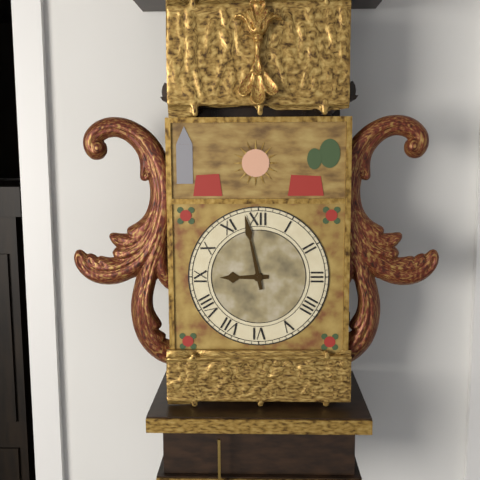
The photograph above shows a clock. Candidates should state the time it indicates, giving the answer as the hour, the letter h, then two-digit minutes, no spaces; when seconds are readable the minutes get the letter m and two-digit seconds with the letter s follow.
8h58
